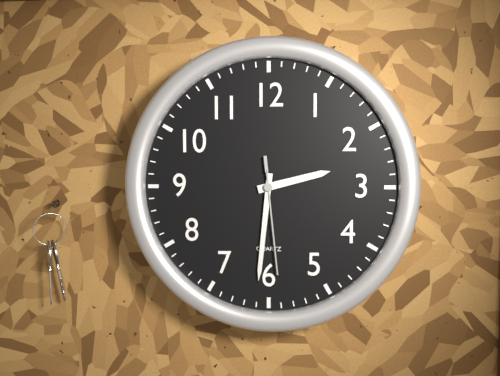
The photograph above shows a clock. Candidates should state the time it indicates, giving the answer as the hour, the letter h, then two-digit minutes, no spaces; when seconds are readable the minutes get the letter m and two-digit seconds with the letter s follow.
2h31m29s
